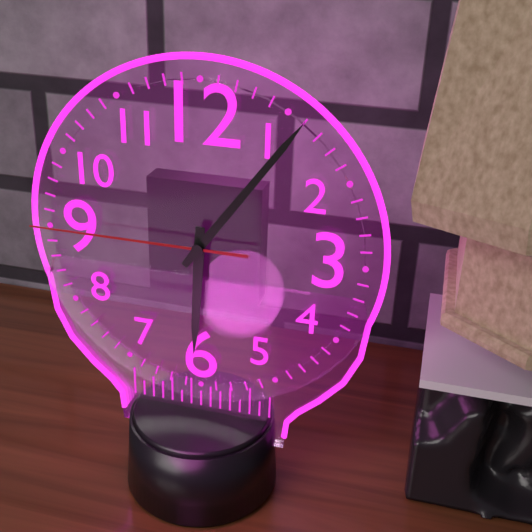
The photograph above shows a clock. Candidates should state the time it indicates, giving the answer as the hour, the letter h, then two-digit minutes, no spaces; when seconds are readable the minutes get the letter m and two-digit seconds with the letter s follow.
6h06m45s
